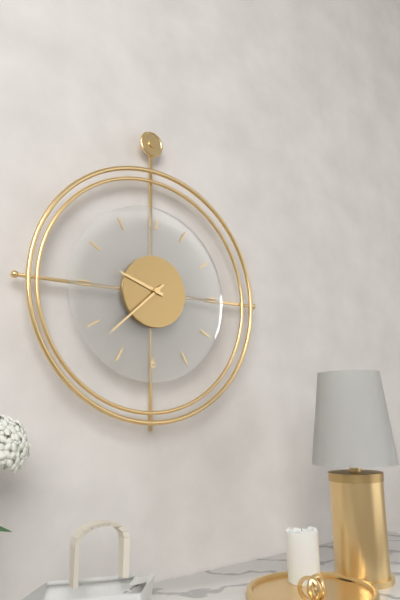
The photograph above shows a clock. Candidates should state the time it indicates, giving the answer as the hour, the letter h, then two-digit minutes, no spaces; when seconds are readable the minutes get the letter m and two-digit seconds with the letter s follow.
9h38
